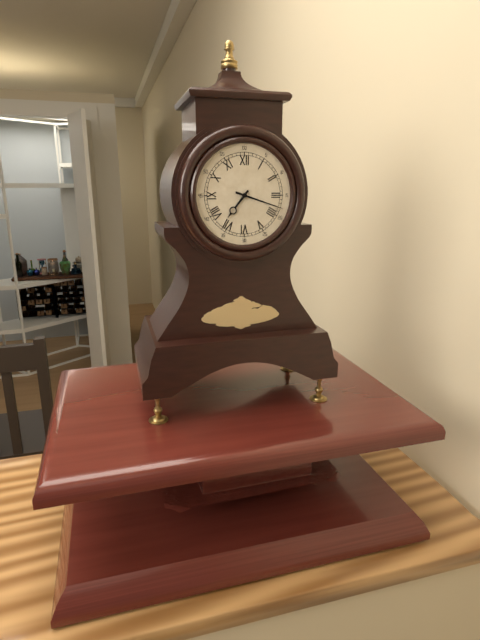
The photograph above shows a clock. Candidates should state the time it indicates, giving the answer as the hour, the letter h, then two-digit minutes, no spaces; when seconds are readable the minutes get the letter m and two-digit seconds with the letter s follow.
7h18
